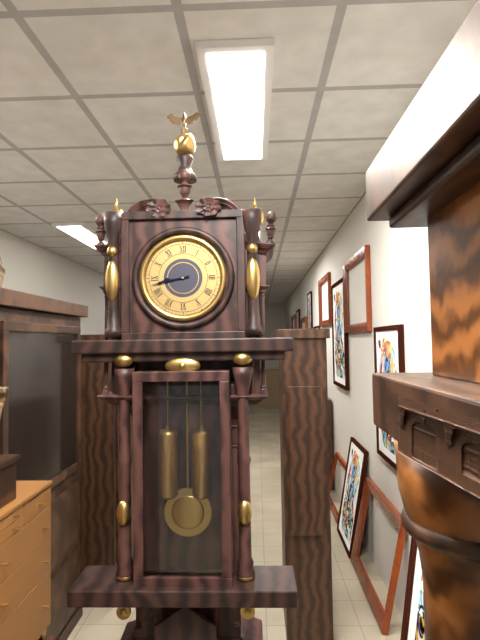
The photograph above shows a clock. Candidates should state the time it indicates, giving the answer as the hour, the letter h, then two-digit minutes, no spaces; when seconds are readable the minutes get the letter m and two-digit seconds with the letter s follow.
8h43
